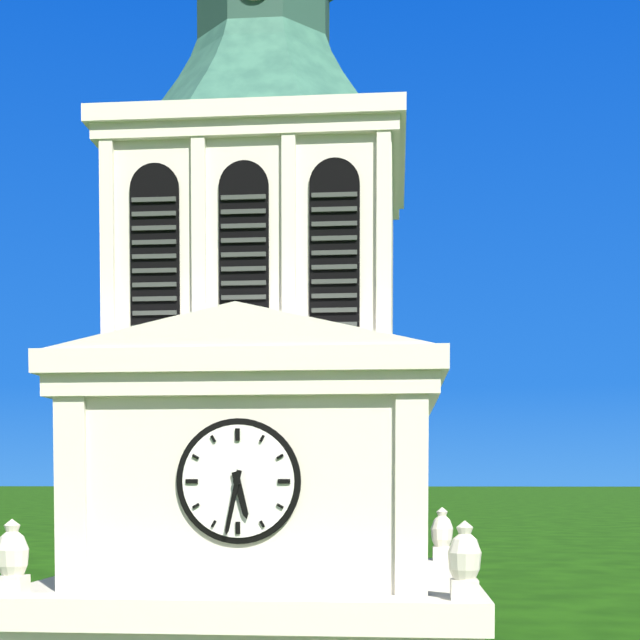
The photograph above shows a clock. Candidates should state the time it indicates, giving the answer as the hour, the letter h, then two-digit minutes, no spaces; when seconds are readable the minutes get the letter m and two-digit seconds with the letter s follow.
5h32
